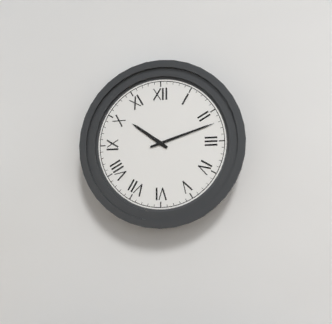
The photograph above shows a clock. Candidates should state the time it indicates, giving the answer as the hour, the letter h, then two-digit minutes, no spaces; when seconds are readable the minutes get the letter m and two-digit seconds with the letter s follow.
10h12
